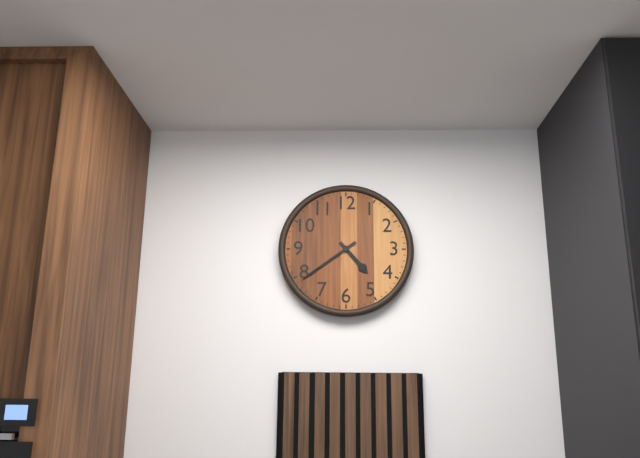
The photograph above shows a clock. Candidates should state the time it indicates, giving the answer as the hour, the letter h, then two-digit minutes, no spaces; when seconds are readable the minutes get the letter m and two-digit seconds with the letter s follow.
4h39
